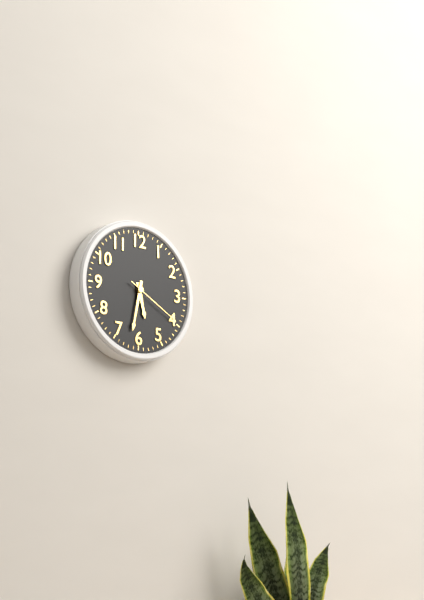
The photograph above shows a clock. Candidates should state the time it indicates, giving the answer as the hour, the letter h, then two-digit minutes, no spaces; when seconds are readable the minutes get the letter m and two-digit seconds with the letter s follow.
5h32m20s
